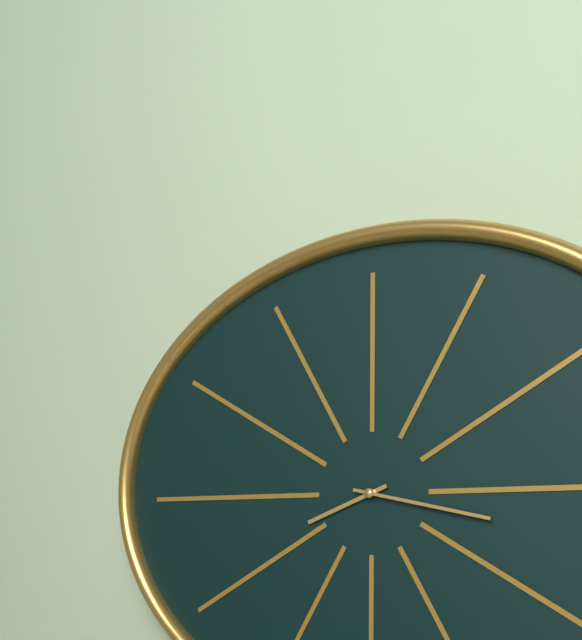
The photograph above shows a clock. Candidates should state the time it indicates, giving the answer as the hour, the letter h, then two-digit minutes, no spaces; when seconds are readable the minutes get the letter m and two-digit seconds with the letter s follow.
8h17
